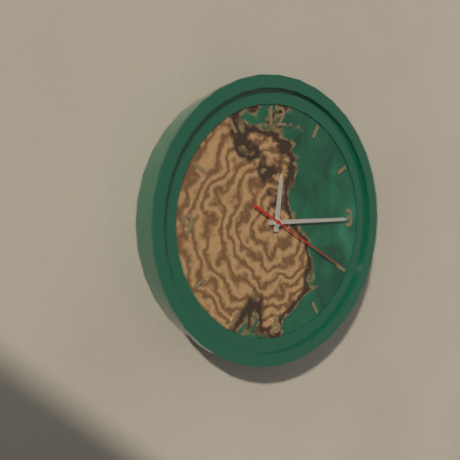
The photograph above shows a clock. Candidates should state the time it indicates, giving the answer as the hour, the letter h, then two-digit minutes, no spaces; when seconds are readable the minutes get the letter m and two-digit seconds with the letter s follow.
12h15m20s
